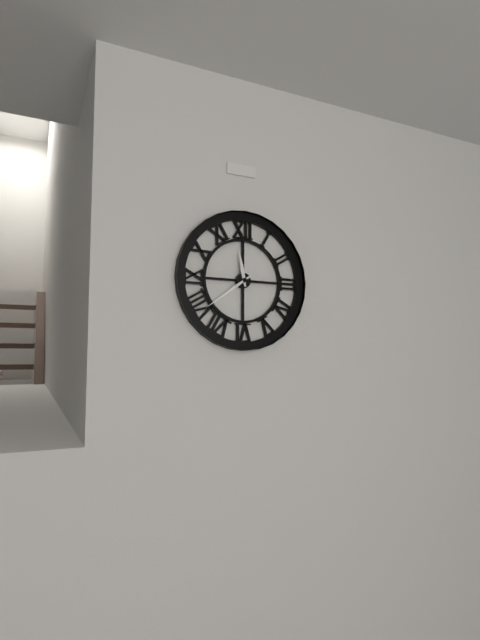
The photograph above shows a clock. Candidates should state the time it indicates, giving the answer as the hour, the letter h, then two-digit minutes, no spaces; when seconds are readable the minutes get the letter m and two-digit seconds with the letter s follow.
11h39
